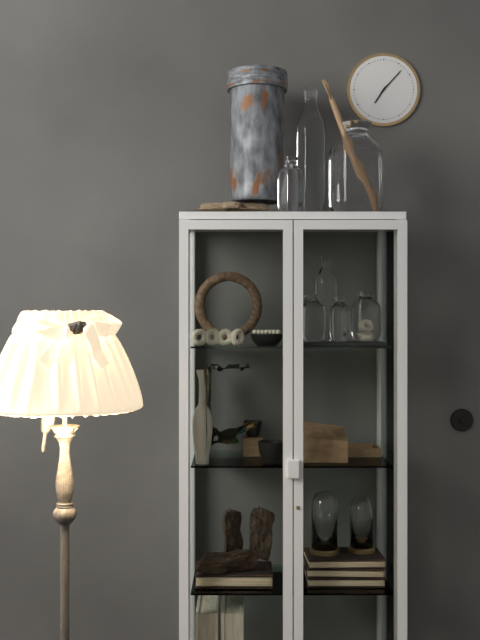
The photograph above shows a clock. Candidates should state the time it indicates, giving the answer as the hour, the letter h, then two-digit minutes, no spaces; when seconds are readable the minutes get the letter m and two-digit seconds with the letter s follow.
7h07
